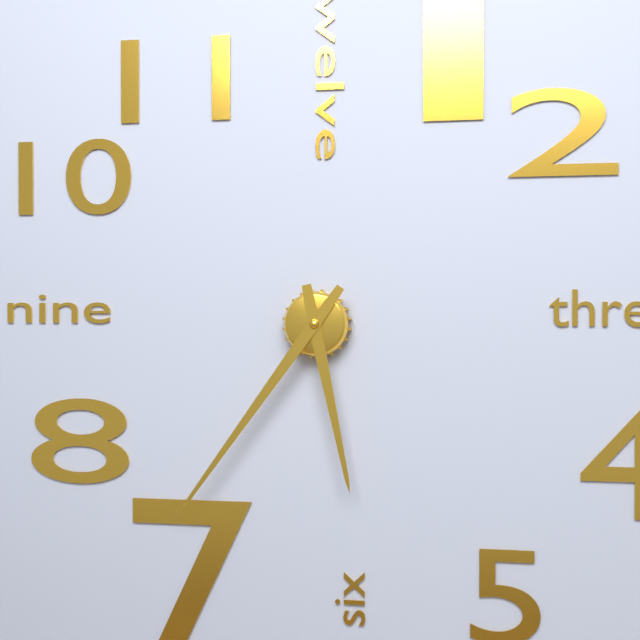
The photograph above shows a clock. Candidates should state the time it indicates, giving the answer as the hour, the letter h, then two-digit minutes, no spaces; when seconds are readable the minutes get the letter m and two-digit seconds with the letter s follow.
5h36
